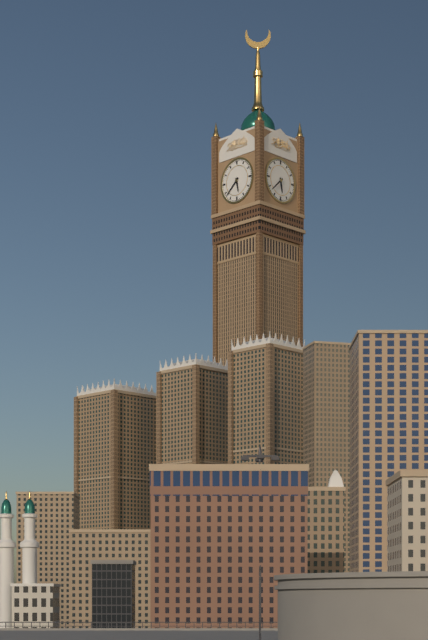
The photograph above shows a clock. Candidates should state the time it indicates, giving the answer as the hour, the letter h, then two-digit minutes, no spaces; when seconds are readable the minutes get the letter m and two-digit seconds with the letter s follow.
5h38
